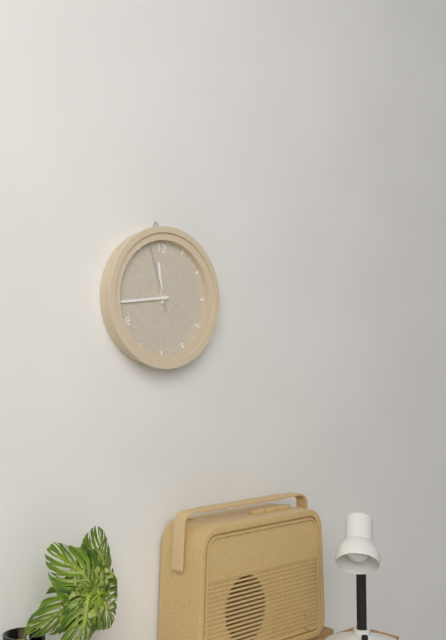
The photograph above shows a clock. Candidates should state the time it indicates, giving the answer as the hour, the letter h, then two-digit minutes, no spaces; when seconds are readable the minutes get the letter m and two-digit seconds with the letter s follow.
11h44m57s
